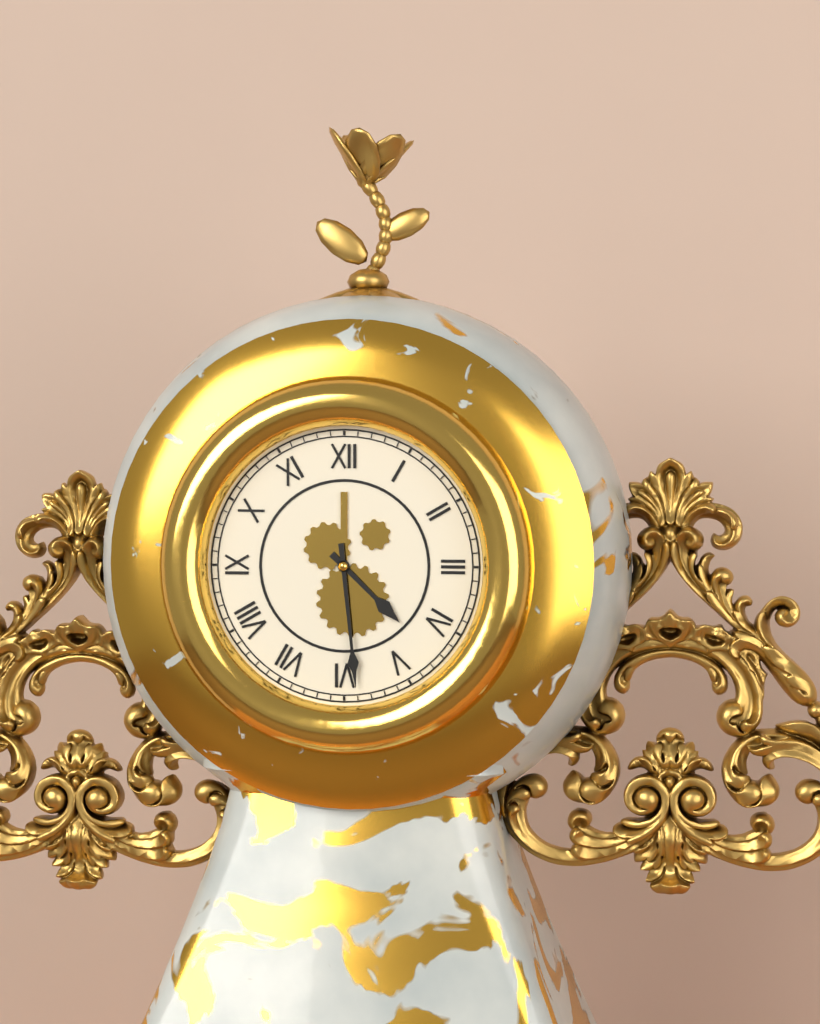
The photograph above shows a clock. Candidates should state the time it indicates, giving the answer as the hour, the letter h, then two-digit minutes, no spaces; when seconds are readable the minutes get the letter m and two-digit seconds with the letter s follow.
4h29
